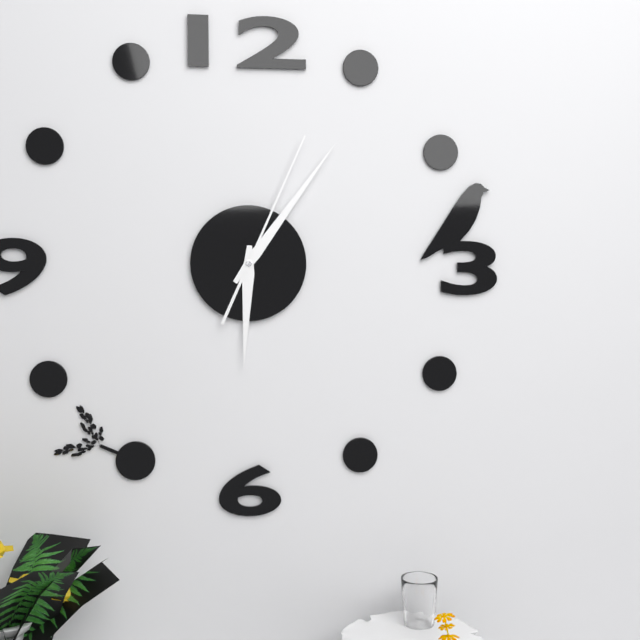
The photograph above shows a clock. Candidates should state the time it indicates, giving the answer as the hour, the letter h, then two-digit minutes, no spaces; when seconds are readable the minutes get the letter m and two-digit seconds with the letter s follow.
6h06m04s
